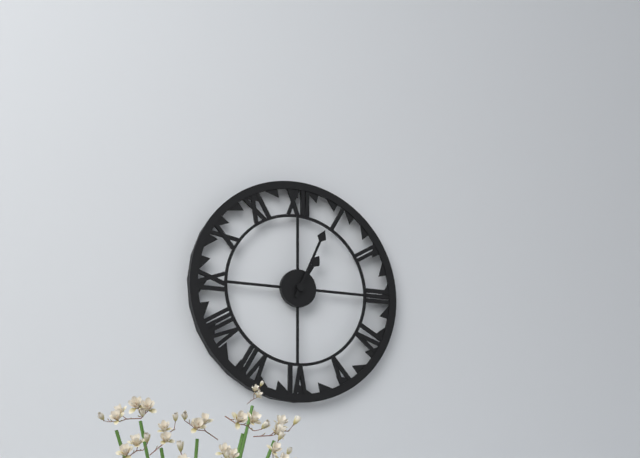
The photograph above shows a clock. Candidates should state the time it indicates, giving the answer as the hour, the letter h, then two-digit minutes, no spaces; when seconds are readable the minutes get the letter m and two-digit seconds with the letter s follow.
1h04
